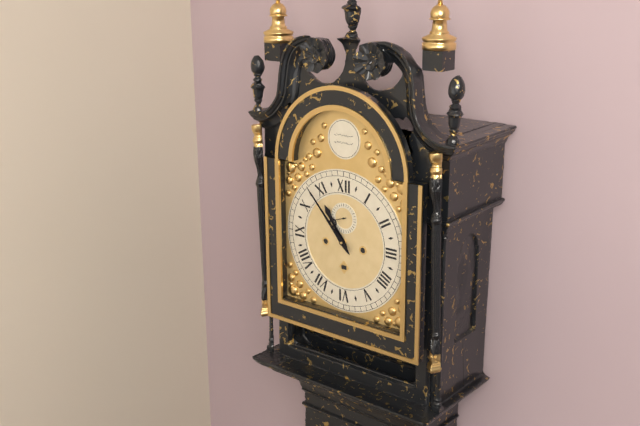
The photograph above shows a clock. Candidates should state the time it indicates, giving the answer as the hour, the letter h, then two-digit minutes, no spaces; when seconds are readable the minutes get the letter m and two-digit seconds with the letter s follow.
10h53
